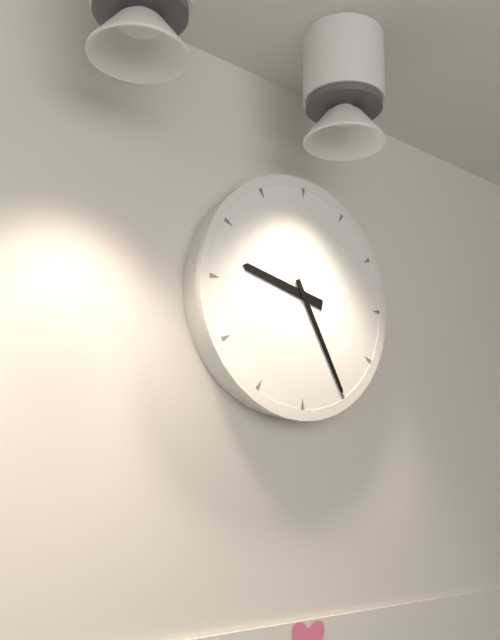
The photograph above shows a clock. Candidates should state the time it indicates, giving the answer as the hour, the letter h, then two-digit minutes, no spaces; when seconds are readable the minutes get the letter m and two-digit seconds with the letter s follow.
9h25
